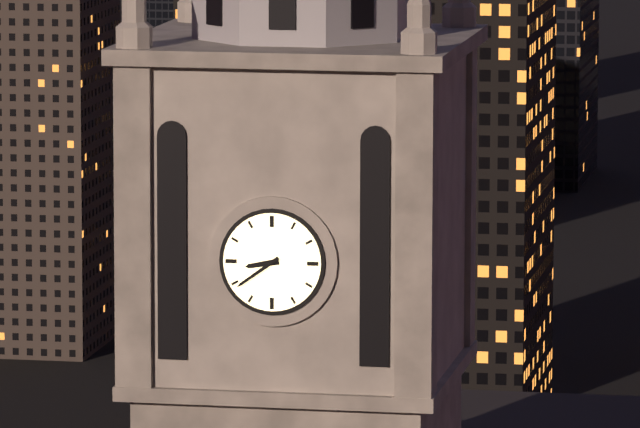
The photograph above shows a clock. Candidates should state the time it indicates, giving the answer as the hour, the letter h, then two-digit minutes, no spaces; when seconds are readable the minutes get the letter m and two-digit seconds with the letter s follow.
8h39
